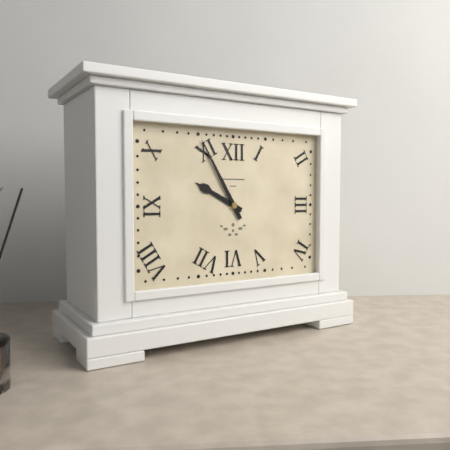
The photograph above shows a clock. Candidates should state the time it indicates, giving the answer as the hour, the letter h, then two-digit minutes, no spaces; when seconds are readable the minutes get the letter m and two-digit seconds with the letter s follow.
9h55
